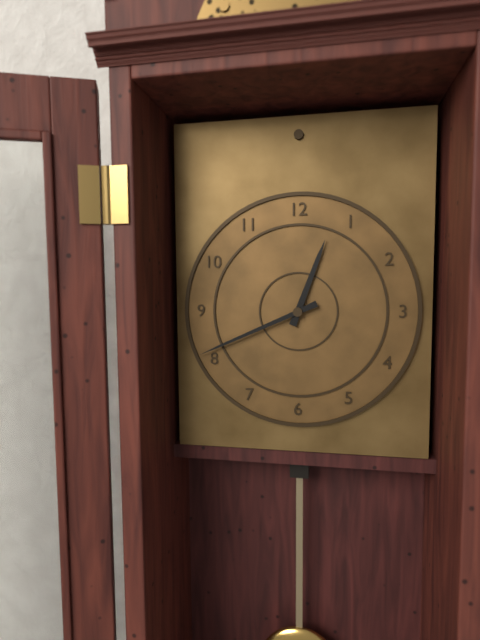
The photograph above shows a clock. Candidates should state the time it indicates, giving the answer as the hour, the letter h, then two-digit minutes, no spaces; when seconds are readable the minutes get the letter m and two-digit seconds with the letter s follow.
12h41
